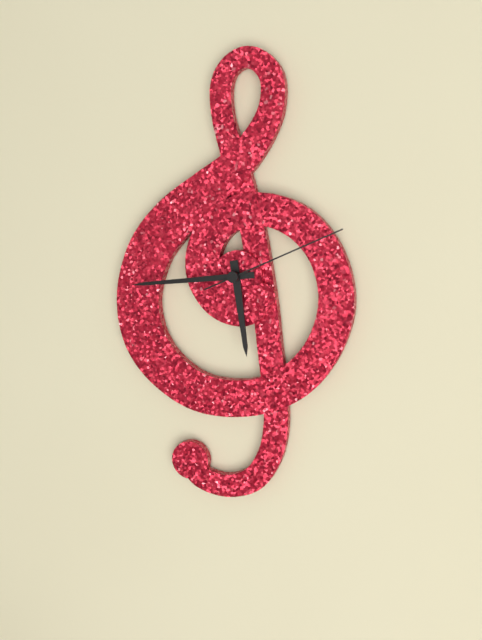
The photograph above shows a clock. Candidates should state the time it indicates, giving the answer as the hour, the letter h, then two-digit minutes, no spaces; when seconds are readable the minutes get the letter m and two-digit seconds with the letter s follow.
5h44m11s
